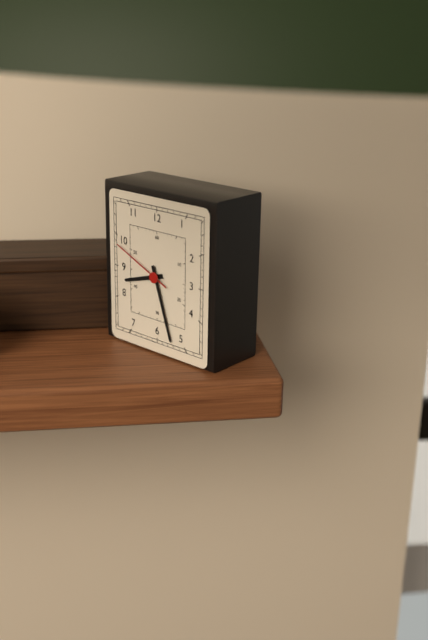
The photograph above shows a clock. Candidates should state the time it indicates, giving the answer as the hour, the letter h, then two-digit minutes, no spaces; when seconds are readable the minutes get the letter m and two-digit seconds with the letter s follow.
8h27m49s
